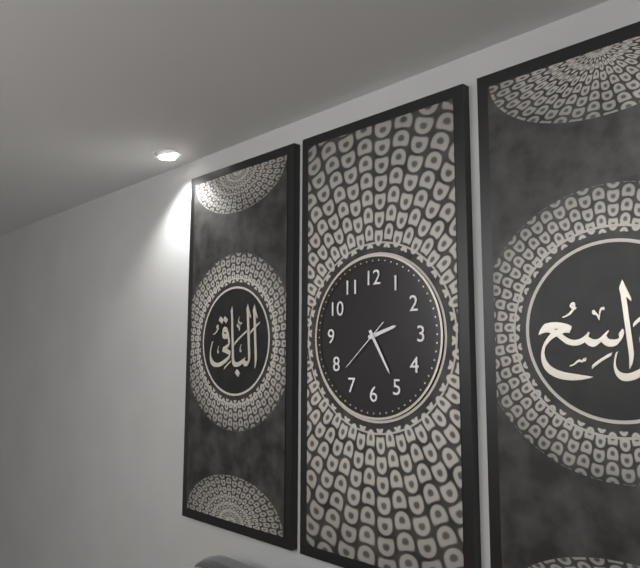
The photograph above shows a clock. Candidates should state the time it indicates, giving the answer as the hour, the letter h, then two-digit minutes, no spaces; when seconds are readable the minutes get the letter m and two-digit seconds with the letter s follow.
2h25m38s
